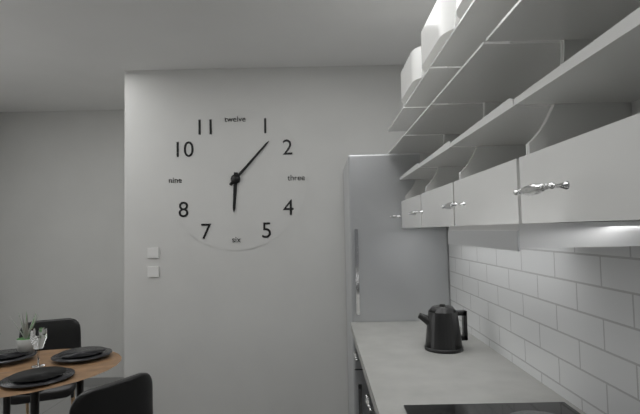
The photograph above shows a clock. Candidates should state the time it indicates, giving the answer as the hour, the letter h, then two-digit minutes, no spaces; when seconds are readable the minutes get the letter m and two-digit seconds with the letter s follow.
6h07
